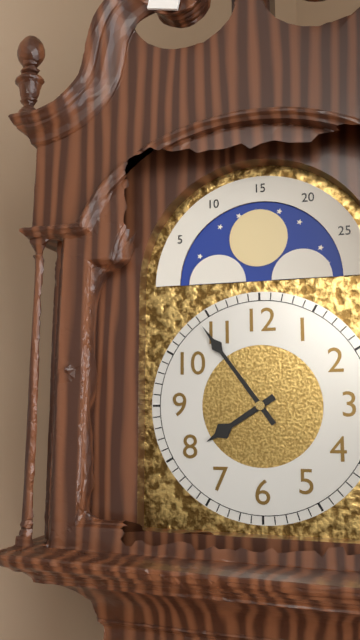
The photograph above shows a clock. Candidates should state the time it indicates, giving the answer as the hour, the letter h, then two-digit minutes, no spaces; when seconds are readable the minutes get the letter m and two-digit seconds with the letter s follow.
7h54
